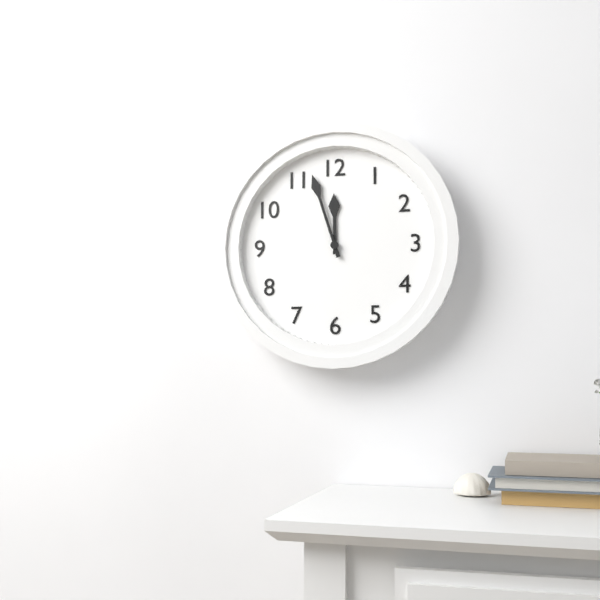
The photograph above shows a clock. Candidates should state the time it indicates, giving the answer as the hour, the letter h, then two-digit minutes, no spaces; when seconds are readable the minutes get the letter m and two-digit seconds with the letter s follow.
11h57
